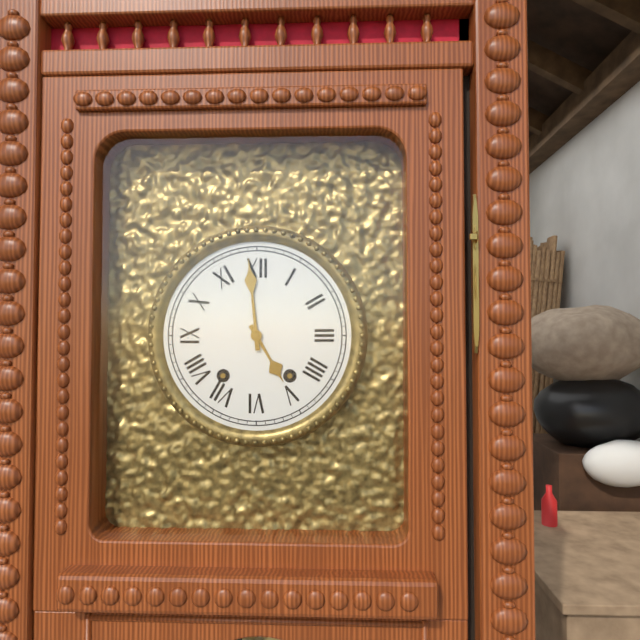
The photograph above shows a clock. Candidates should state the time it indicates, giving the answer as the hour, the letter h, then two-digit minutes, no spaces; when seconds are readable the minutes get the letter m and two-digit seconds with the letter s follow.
4h59
